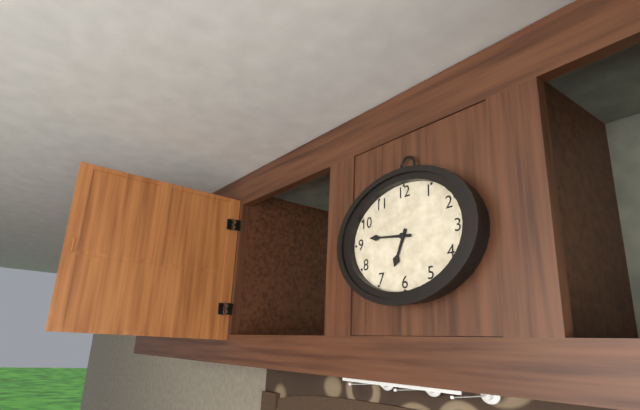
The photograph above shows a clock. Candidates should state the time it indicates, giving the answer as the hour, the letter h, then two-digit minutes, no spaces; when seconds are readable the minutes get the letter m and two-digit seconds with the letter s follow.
6h46
